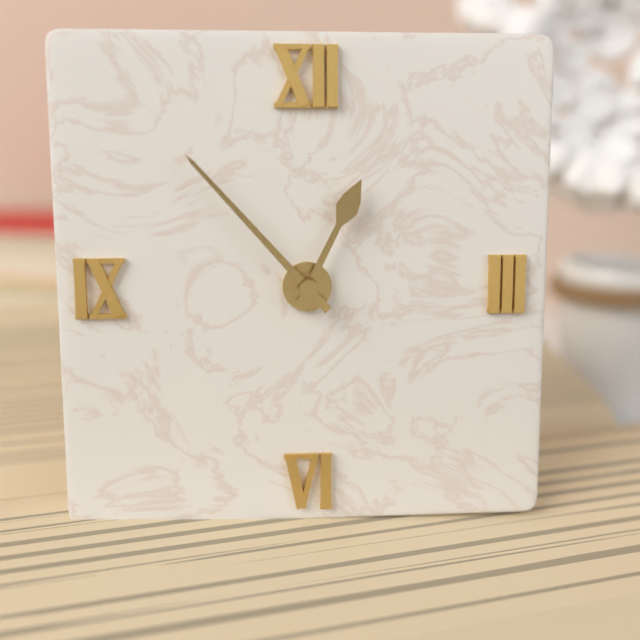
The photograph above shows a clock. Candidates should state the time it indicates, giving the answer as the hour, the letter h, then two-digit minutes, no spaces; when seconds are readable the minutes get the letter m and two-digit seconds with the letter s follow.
12h53
